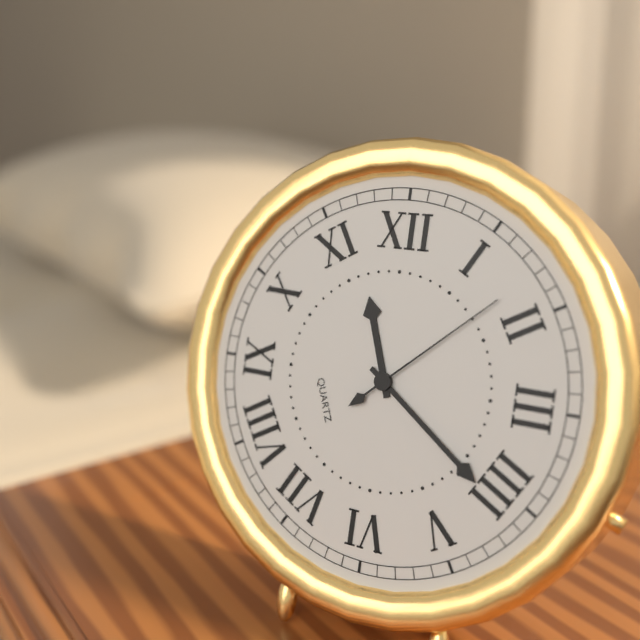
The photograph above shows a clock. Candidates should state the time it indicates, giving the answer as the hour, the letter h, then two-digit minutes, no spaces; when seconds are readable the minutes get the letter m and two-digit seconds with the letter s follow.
11h21m08s
